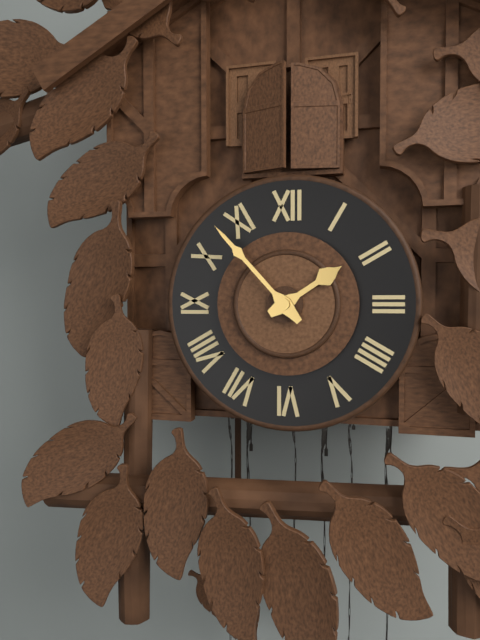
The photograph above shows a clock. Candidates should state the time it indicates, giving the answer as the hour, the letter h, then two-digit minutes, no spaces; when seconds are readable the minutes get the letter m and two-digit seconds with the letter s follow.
1h53
